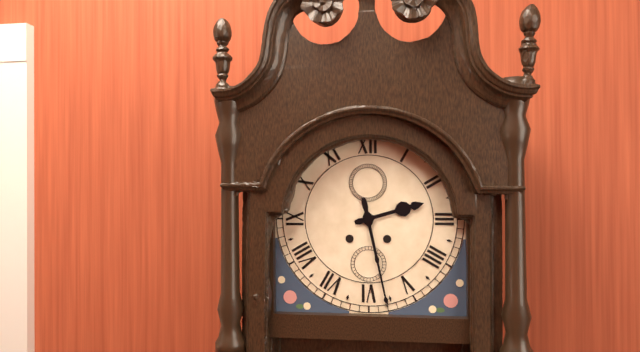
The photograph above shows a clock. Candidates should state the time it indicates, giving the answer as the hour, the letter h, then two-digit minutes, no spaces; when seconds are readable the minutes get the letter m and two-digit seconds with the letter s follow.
2h28
